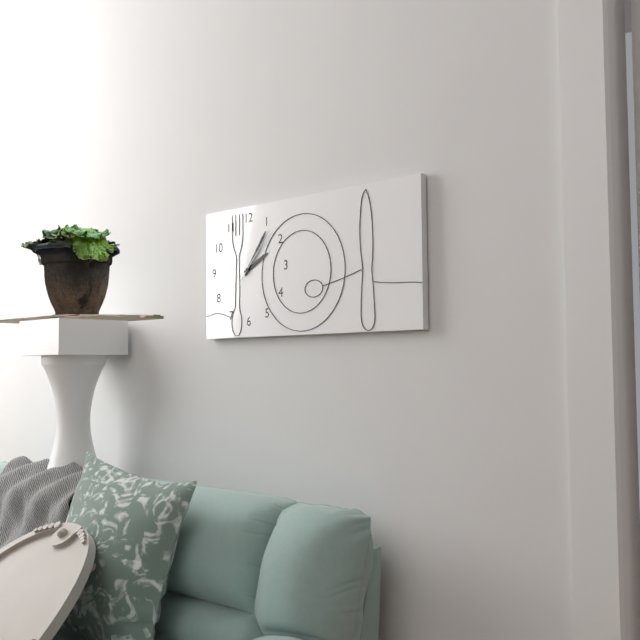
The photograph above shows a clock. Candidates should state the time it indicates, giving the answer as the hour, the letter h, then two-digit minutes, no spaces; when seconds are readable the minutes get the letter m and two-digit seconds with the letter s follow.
2h06m07s
